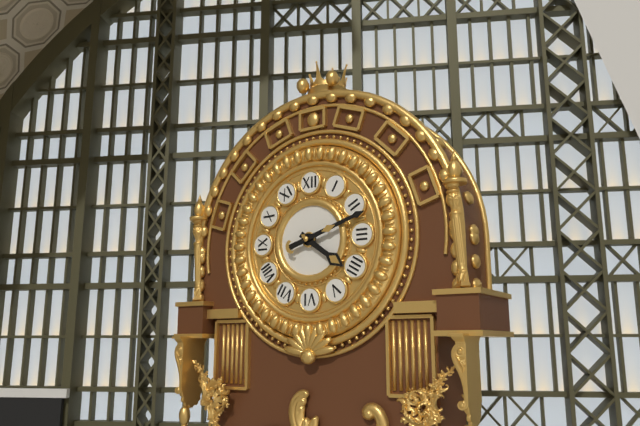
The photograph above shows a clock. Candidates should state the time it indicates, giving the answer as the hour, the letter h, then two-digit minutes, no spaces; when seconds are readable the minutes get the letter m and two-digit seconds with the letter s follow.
4h12
